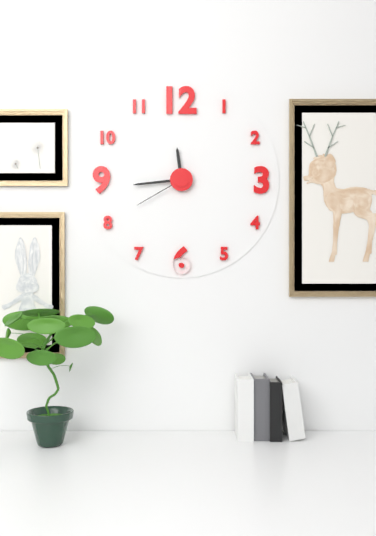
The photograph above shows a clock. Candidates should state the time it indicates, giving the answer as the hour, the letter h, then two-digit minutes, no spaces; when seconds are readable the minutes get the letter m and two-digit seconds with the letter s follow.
11h44m40s
